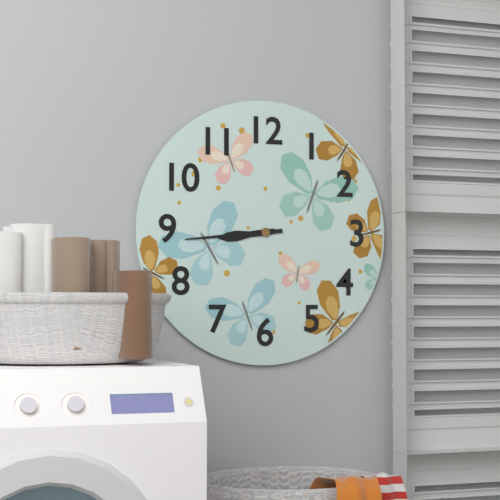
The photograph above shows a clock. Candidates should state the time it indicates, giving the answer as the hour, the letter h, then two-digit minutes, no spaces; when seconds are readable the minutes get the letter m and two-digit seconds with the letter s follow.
8h44
